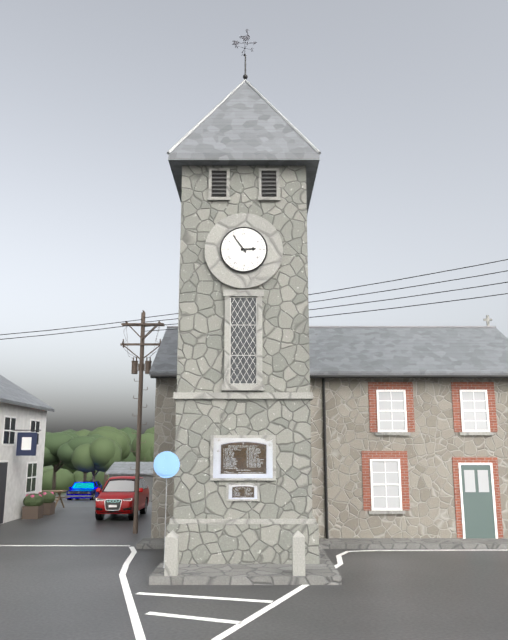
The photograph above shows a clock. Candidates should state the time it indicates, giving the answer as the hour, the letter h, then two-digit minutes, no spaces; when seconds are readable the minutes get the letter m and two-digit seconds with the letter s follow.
2h54
